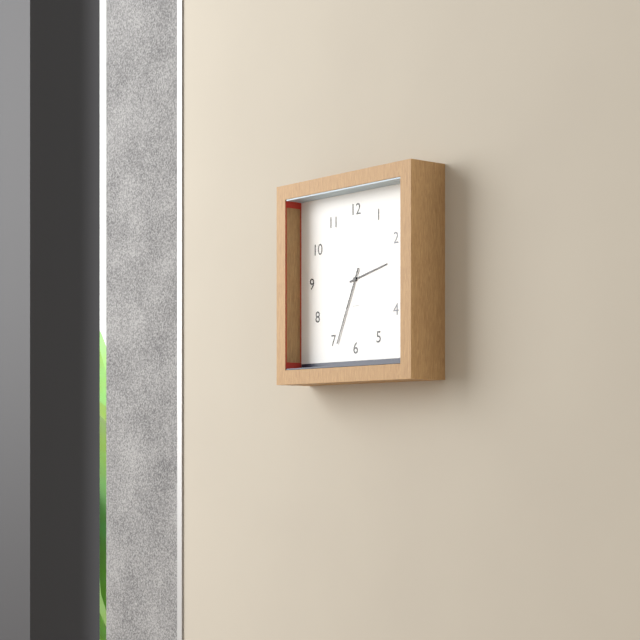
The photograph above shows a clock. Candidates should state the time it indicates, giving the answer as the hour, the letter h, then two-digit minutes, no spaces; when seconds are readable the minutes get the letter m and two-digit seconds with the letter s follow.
2h34
